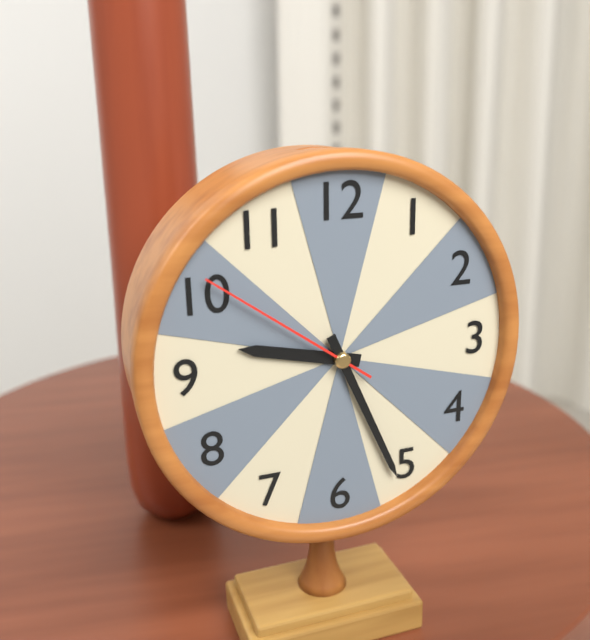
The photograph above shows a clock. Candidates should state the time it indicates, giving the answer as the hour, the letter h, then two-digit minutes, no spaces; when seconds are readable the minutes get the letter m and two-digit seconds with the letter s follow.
9h26m51s
